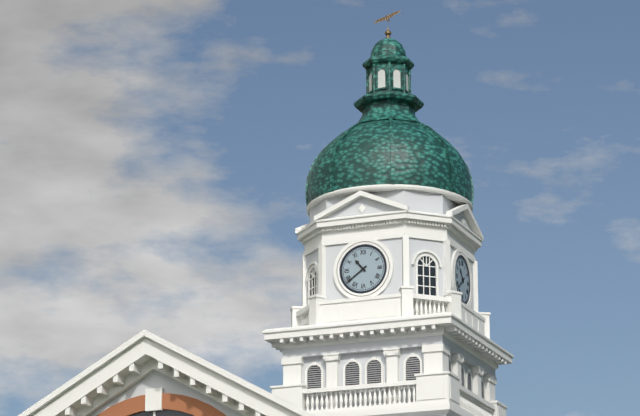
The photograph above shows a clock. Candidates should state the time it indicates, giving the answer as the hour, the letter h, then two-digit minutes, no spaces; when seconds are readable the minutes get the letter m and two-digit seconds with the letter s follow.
10h39
